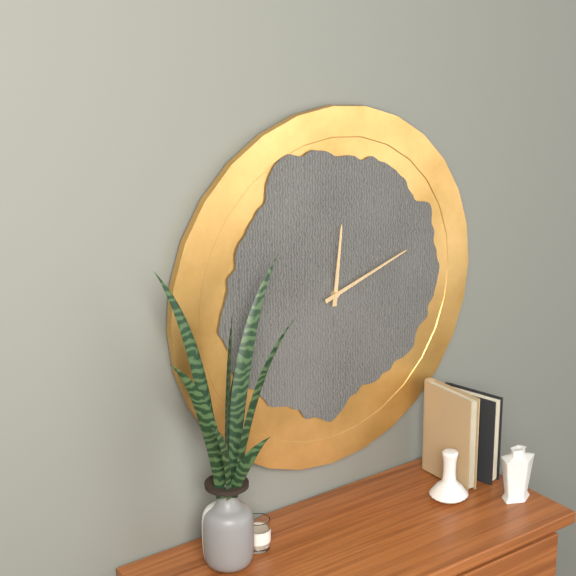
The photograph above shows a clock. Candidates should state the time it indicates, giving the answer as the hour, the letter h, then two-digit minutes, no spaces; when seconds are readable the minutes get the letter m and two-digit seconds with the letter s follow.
12h12
